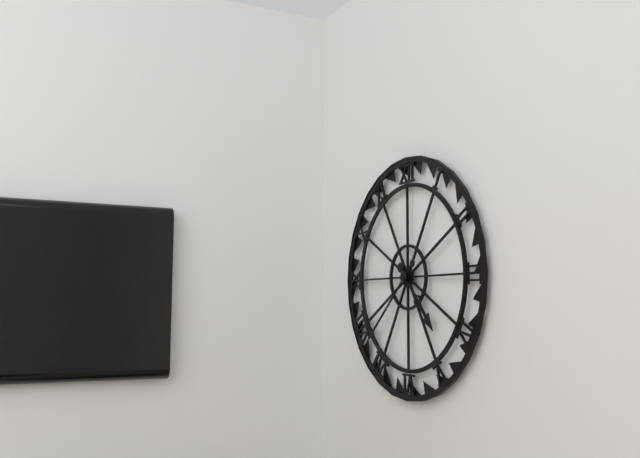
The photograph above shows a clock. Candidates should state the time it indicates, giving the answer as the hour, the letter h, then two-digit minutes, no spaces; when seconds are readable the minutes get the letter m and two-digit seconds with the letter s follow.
4h38
